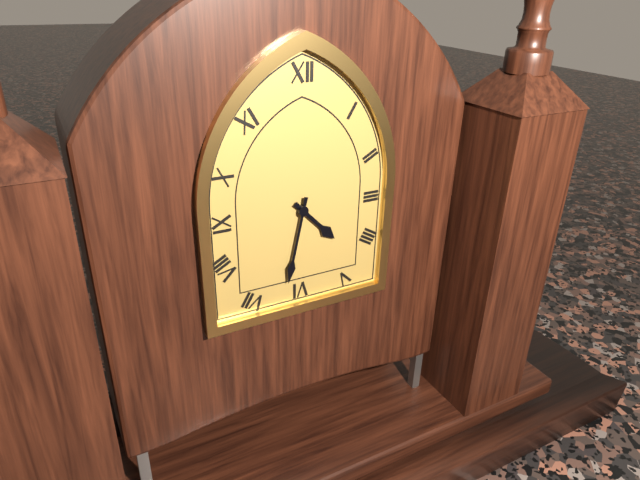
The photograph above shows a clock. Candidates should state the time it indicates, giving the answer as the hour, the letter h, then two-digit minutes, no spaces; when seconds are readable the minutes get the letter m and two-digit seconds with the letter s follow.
4h32
